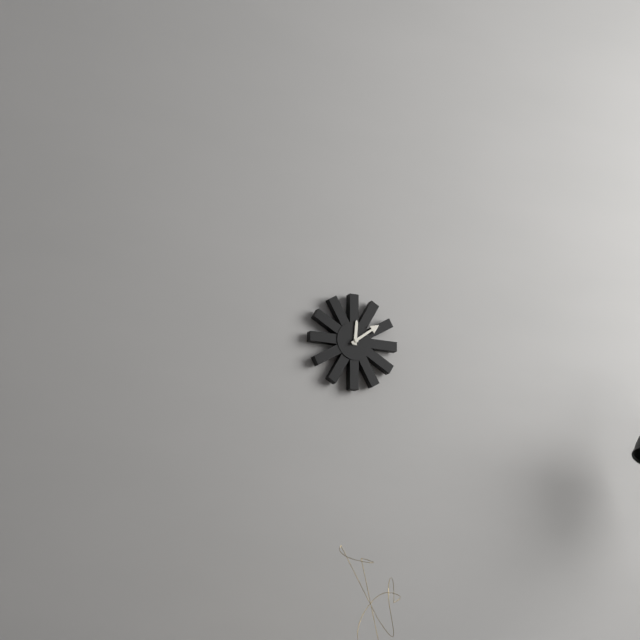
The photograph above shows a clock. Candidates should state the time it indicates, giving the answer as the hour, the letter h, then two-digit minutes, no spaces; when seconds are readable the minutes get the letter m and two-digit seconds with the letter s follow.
12h09
